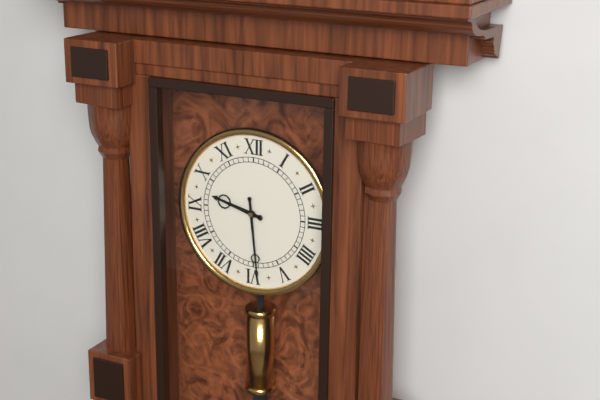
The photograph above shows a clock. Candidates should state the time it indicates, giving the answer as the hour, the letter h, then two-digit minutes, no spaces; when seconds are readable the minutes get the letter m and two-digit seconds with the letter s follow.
9h29
